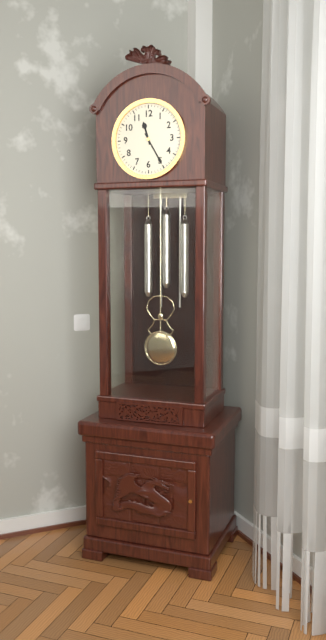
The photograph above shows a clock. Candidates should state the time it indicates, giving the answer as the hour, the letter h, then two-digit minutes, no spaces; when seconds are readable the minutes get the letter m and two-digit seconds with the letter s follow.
11h25
